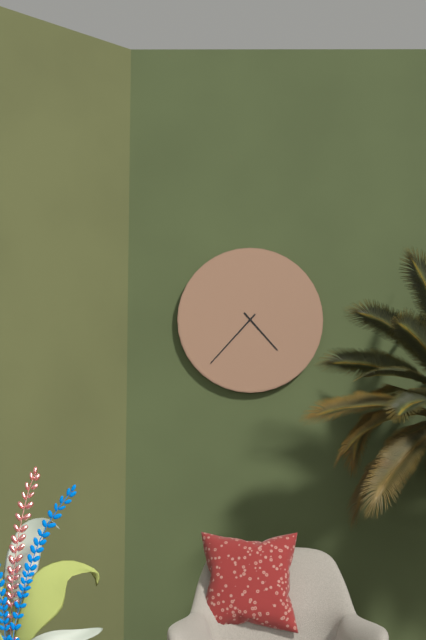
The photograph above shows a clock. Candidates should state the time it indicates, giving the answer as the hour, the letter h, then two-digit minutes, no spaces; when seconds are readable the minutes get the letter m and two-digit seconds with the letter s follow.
4h37
